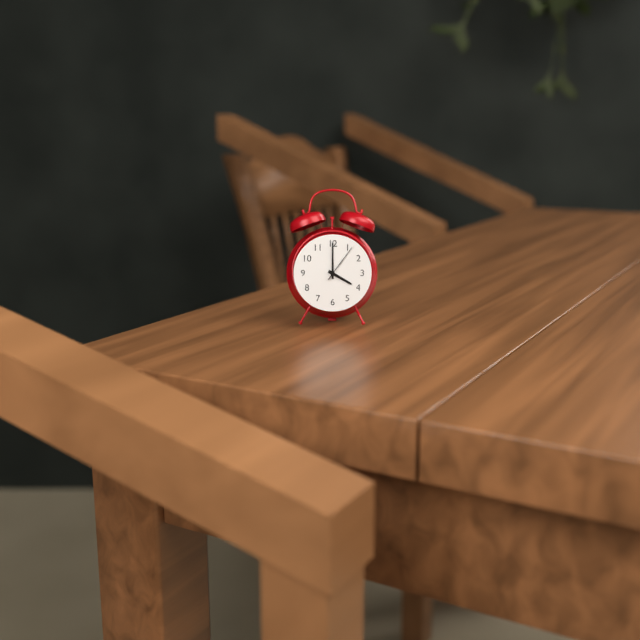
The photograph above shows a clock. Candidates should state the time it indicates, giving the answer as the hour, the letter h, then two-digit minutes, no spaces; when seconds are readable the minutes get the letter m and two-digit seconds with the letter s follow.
4h00
